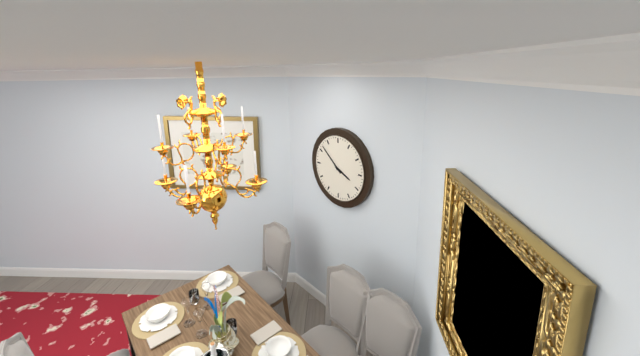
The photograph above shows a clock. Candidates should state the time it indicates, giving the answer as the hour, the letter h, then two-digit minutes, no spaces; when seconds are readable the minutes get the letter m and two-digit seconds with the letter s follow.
3h52
